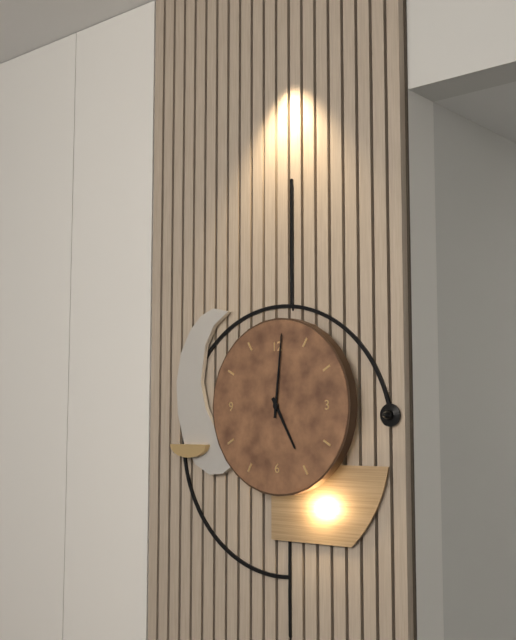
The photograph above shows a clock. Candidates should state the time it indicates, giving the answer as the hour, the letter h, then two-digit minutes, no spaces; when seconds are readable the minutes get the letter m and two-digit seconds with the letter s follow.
5h01
